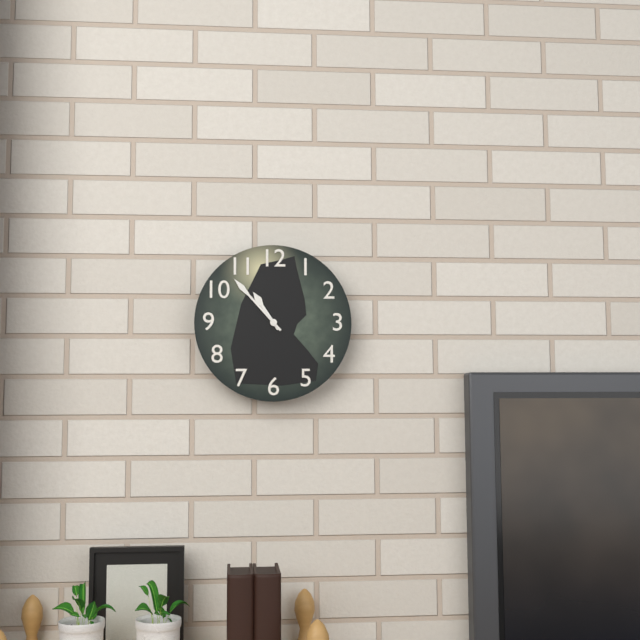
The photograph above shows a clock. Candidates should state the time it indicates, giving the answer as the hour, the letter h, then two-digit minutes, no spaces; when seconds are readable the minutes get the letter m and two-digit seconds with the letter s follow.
10h53
